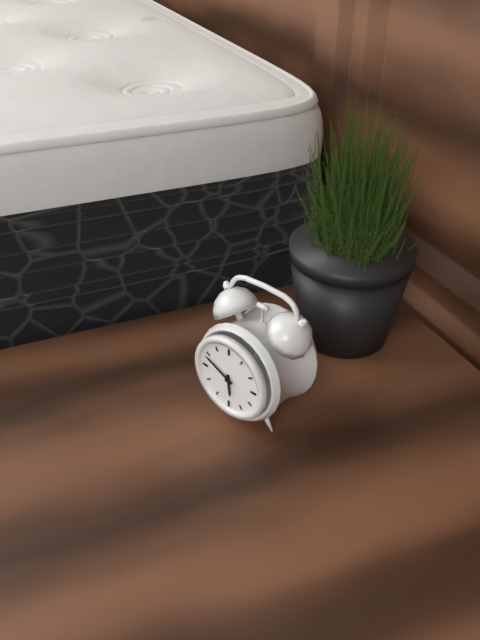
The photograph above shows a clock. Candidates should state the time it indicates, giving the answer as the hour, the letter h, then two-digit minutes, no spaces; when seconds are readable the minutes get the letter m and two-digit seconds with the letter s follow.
5h49
